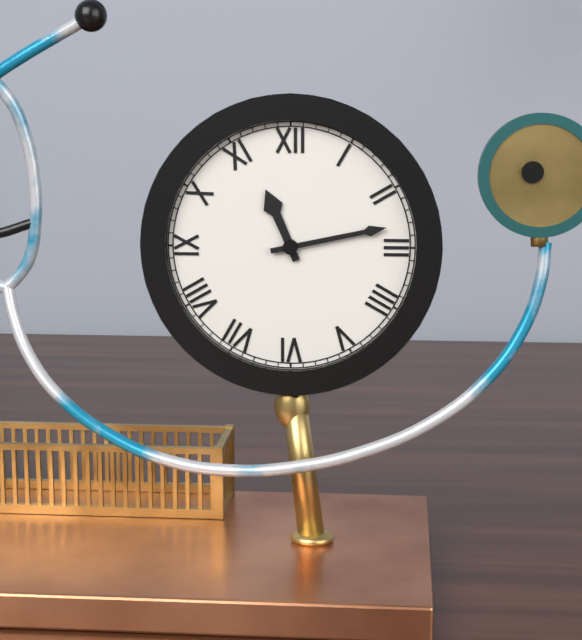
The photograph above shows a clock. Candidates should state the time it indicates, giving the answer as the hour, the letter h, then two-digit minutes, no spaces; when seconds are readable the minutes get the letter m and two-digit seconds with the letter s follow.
11h13
